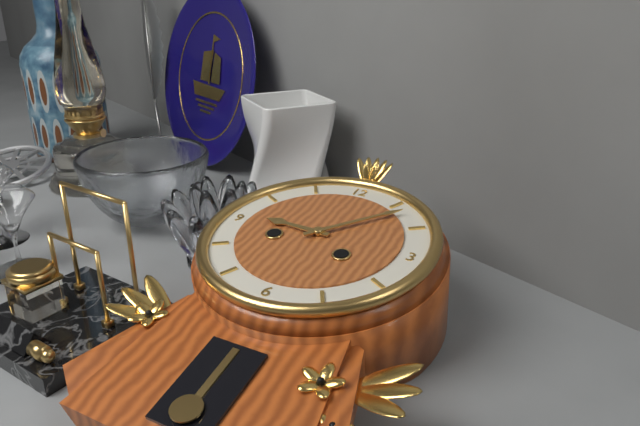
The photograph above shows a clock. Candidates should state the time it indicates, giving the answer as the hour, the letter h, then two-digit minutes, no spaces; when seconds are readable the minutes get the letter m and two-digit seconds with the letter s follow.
9h07
